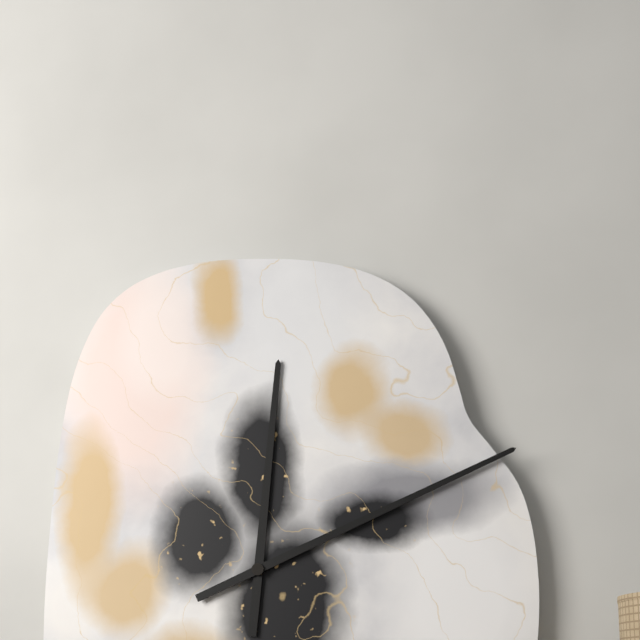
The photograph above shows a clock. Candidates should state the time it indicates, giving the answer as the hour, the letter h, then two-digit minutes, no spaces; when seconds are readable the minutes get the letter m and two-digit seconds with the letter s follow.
12h11
